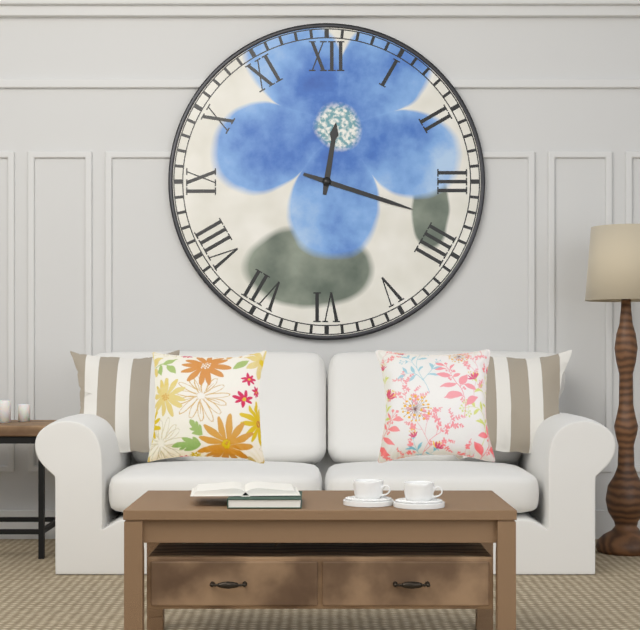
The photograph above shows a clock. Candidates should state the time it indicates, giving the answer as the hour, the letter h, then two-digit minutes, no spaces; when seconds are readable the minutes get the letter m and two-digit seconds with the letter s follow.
12h18
